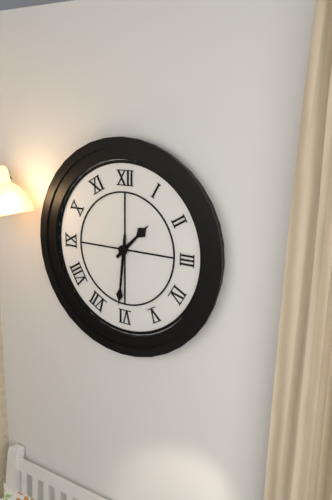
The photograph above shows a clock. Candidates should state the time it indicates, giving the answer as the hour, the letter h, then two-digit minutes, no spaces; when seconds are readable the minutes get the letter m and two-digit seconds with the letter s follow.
1h31
